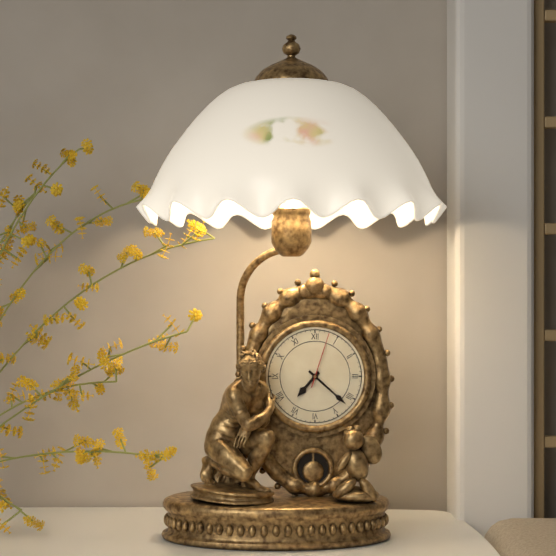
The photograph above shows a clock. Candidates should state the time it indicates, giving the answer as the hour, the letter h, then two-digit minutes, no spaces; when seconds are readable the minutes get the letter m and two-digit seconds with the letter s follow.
7h22m03s
